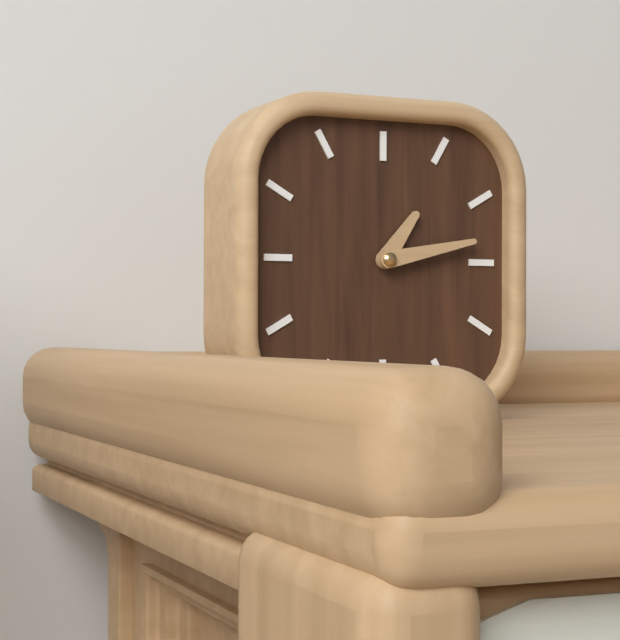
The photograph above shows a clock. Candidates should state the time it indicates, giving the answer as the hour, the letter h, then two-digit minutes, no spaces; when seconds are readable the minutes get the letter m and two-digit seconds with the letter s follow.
1h13
